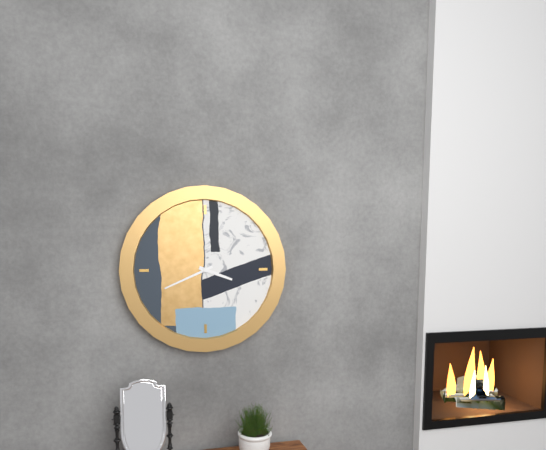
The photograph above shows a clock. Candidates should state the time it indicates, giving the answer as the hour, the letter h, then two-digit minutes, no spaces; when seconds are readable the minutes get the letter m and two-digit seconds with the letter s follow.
3h41
